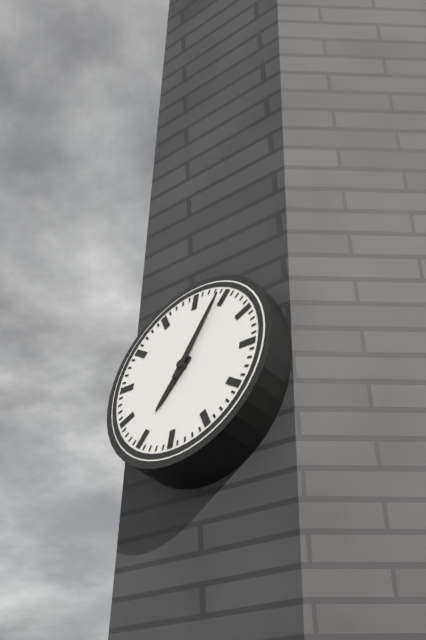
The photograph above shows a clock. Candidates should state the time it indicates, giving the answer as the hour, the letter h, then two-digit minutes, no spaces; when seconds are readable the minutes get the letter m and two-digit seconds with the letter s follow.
7h04
